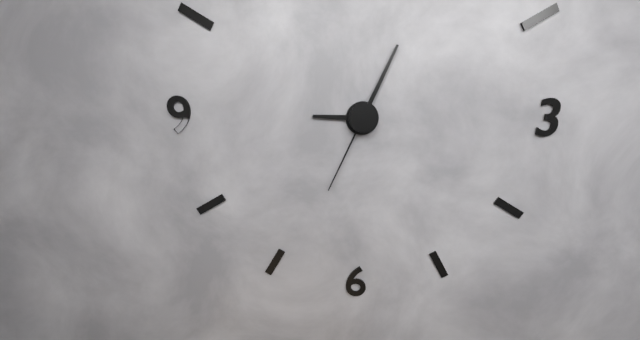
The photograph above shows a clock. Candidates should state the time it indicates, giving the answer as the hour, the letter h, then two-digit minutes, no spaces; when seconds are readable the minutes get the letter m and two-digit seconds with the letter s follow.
9h04m34s
